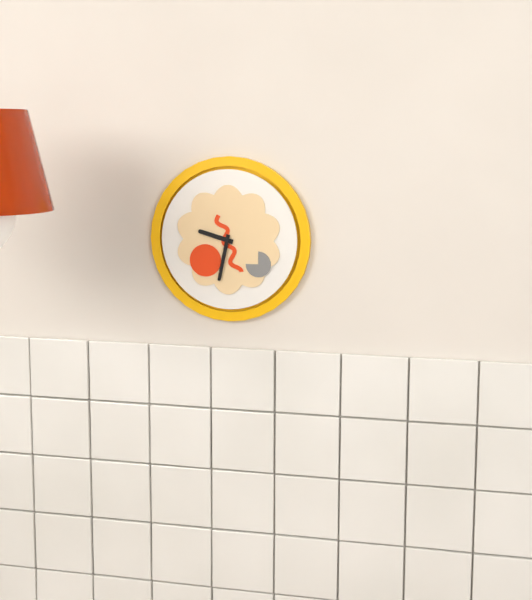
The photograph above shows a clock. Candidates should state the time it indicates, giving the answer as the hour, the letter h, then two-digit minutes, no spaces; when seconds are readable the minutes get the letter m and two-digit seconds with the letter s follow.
9h32
